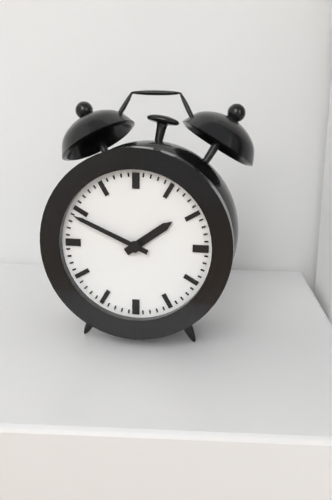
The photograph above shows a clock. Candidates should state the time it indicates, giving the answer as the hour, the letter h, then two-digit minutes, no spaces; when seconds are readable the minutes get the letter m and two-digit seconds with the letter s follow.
1h49
